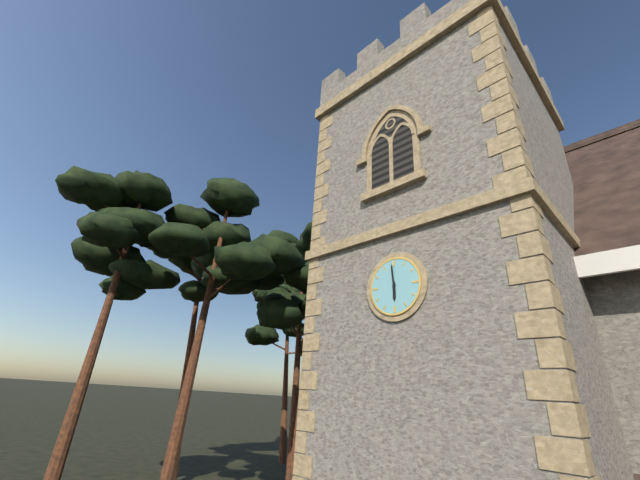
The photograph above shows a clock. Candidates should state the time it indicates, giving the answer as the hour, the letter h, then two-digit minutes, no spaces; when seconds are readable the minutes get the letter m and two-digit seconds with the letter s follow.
5h59
